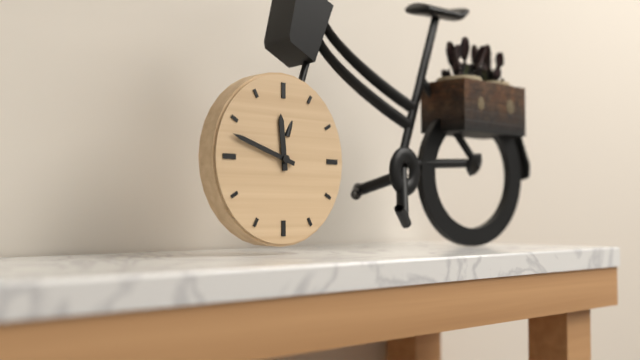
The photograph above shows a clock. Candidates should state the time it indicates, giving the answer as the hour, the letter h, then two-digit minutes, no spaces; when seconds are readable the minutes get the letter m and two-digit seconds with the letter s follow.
11h48
